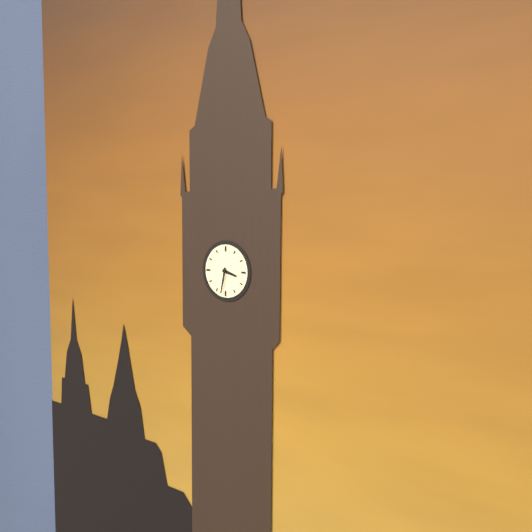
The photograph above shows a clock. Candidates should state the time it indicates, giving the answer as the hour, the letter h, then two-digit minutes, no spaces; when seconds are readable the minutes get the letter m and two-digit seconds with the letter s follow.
3h32
